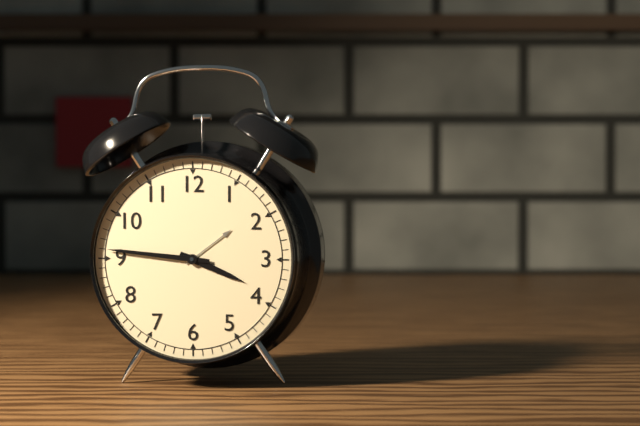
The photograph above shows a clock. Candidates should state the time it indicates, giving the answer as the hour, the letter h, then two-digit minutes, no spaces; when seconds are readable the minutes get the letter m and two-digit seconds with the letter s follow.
3h46
